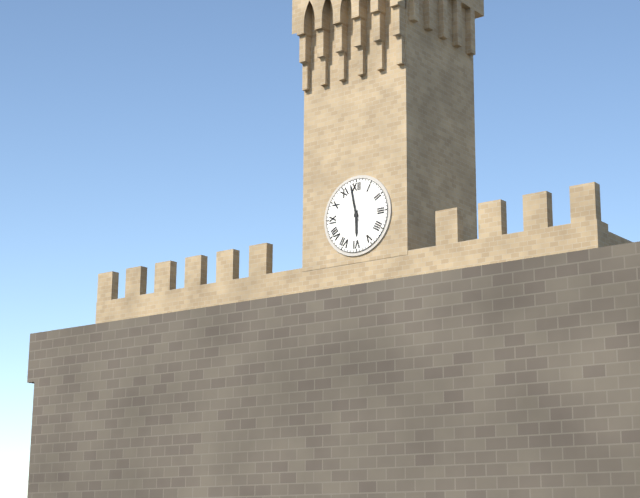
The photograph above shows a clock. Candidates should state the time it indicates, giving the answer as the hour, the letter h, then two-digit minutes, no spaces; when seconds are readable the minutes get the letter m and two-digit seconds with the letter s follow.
5h58
